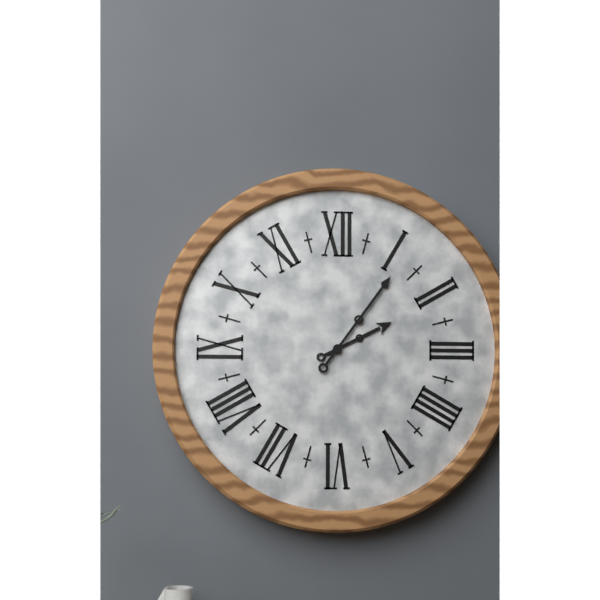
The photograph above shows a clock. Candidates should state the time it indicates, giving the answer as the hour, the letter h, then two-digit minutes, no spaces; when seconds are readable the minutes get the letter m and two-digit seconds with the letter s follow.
2h06
